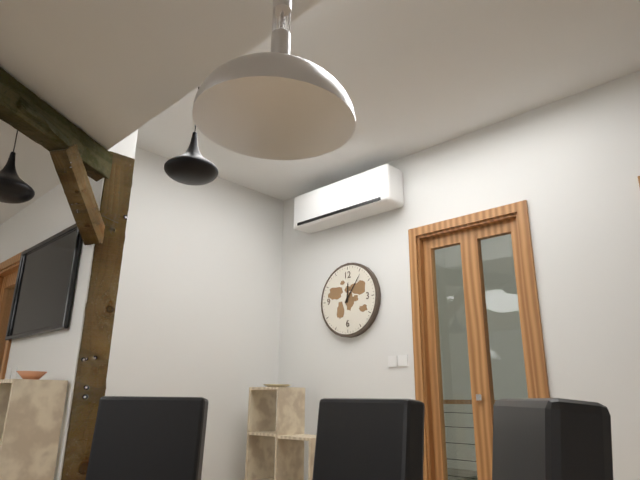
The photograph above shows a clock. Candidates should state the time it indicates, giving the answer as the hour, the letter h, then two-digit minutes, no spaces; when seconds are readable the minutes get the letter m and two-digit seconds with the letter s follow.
12h06
